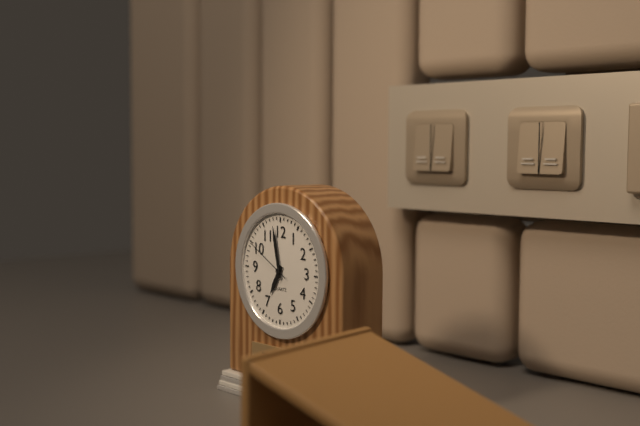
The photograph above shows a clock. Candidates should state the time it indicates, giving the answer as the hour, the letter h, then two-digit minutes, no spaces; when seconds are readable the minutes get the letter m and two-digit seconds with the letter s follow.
6h58
